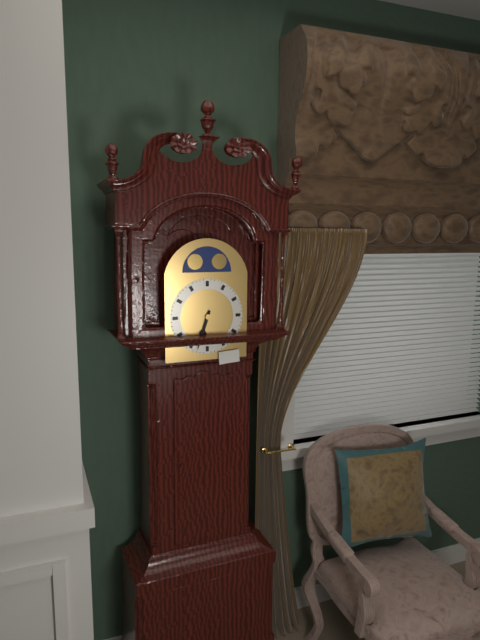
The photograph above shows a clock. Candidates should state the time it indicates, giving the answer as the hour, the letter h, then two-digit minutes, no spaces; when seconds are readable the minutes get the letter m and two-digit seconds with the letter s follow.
6h33
